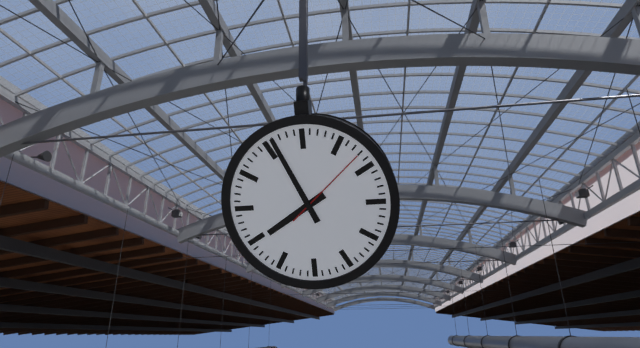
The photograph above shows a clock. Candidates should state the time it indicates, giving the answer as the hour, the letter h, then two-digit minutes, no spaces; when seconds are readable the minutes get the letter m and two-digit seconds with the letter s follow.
7h56m08s
